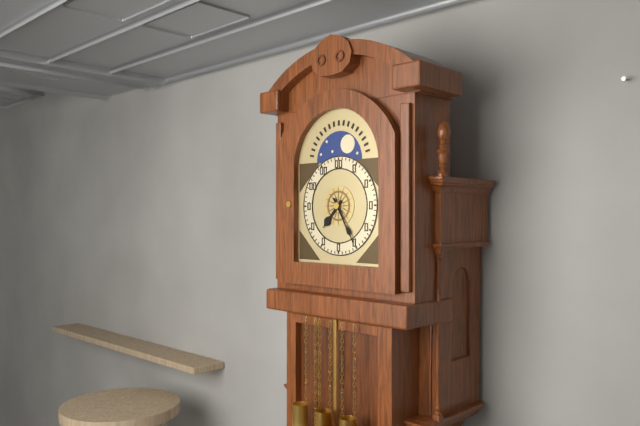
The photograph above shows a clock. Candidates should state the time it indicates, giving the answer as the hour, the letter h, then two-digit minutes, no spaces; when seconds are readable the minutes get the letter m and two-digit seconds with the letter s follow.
7h25
